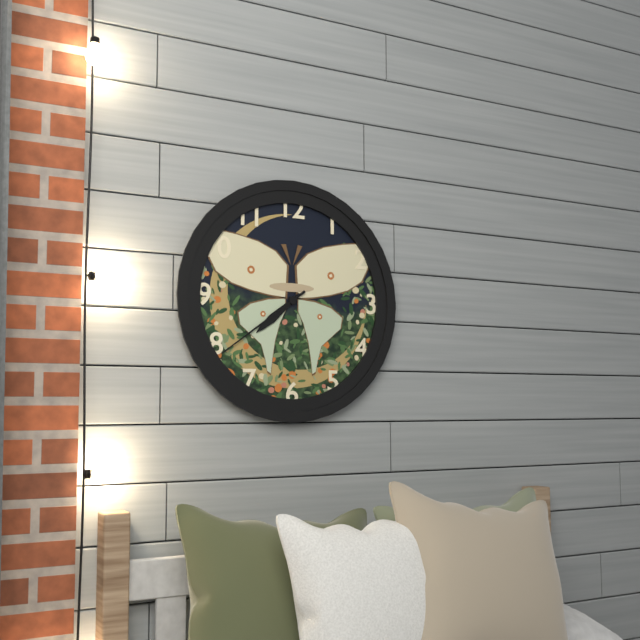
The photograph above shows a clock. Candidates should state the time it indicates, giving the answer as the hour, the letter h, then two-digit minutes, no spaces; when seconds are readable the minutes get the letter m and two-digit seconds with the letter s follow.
7h39
